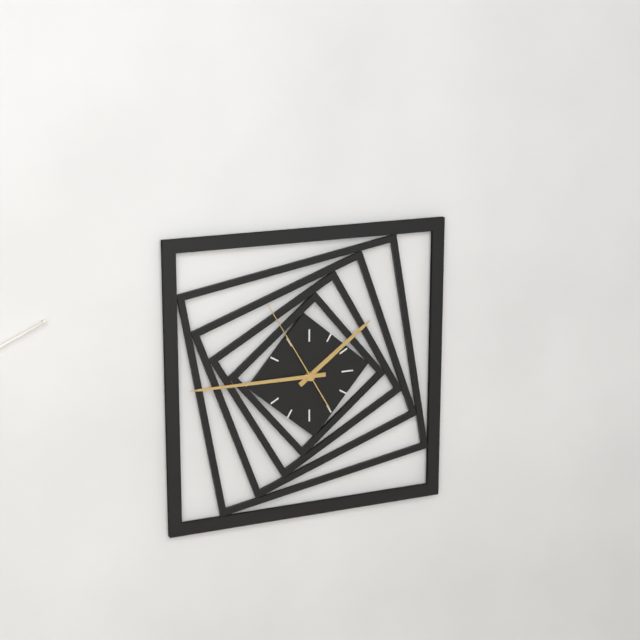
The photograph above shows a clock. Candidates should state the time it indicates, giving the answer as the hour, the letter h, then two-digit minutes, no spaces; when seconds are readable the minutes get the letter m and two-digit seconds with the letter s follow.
1h45m55s
